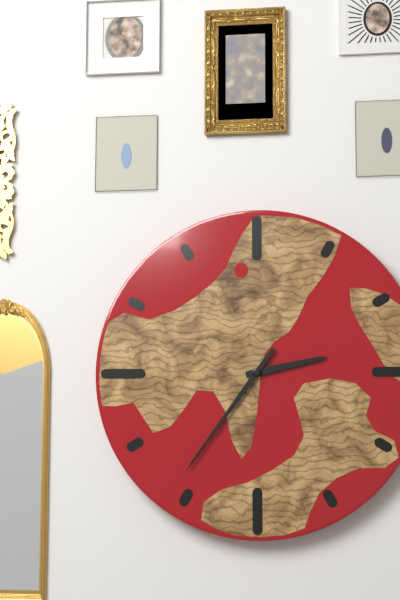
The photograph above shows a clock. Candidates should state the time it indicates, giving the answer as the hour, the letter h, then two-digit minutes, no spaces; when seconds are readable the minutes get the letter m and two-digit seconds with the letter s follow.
2h36
